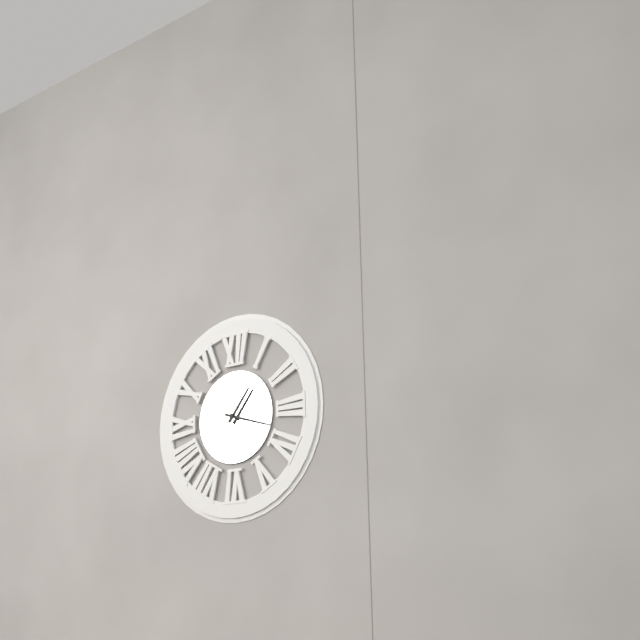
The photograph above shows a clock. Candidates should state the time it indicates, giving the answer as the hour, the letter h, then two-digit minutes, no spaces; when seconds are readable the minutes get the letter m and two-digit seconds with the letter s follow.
1h18
